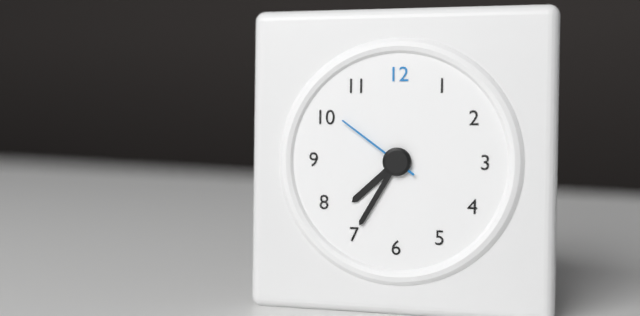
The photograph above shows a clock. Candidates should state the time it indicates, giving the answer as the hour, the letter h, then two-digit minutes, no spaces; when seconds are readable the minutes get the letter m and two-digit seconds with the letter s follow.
7h35m51s
